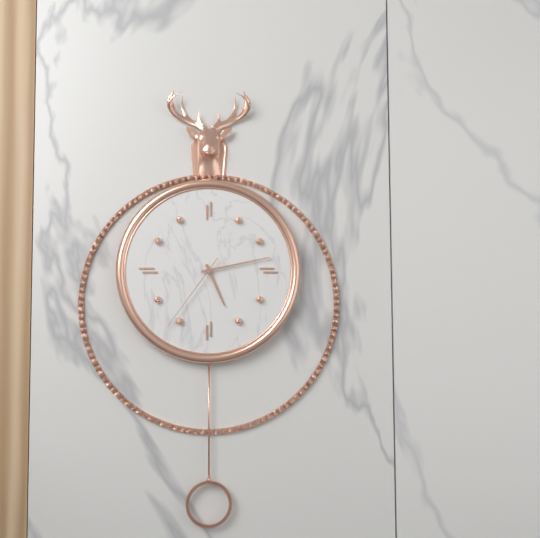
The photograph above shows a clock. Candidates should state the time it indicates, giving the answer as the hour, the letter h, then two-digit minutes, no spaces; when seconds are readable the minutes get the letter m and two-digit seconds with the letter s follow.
5h13m36s
